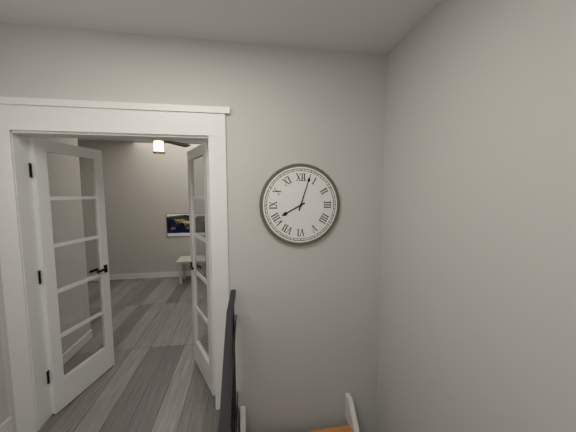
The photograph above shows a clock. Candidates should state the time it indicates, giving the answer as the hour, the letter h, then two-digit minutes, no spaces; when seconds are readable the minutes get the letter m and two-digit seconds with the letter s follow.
8h03
